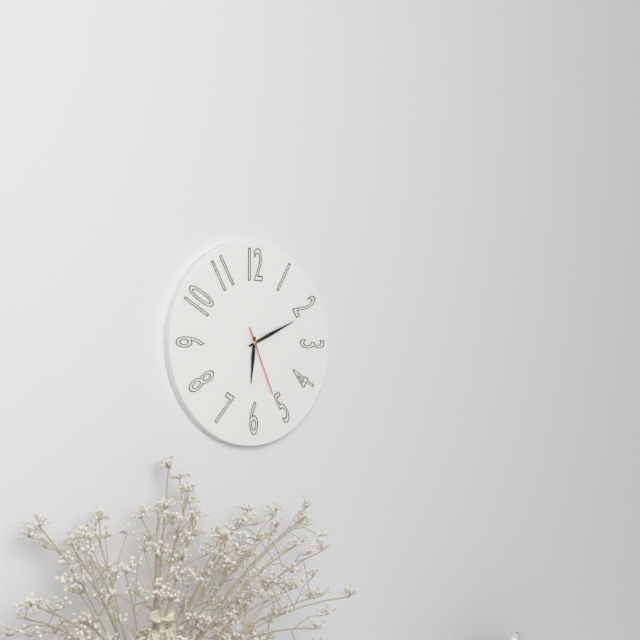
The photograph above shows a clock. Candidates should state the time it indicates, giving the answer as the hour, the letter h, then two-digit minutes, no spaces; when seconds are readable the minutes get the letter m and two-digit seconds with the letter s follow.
6h11m26s
